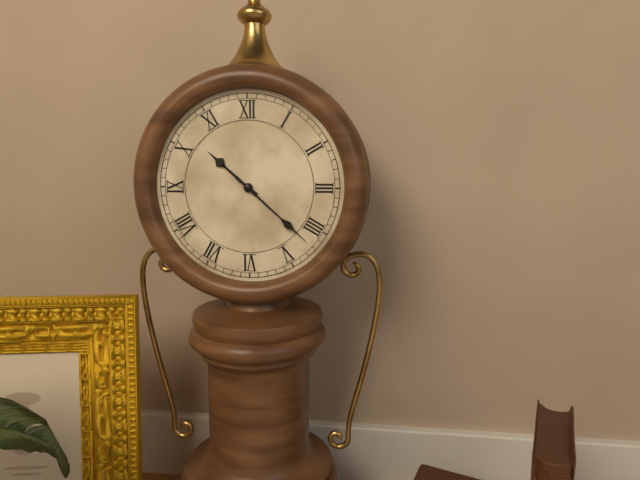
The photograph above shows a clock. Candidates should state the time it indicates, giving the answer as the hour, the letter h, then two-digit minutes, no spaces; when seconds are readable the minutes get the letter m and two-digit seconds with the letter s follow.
10h22
